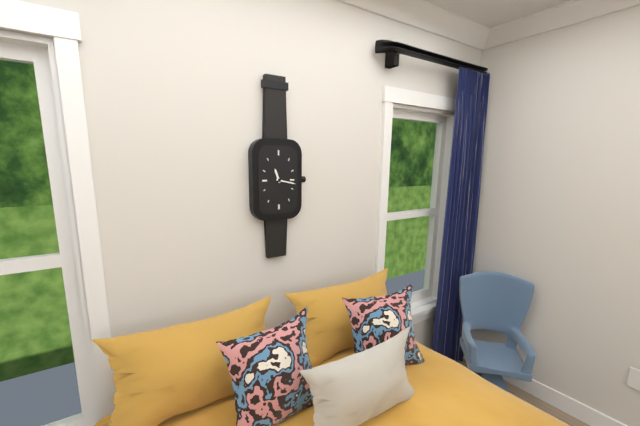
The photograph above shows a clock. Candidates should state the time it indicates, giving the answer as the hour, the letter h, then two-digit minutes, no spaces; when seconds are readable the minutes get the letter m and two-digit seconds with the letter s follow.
11h17
